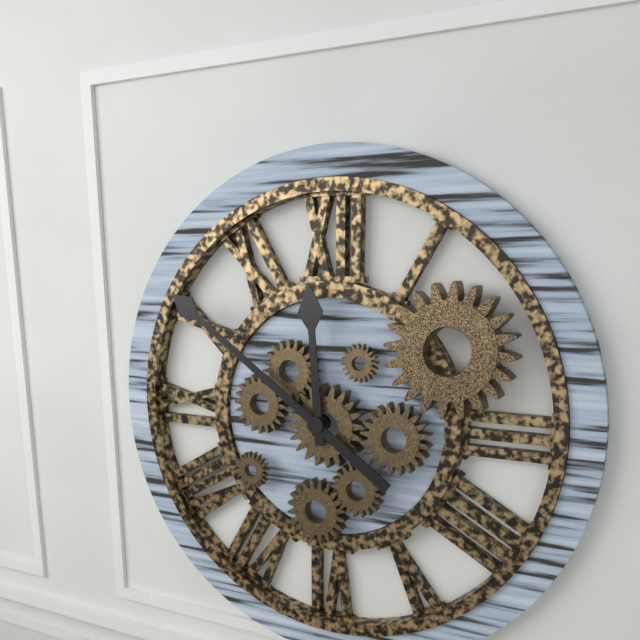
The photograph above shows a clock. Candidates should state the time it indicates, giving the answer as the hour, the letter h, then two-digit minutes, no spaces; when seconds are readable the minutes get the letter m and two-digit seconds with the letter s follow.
11h51
